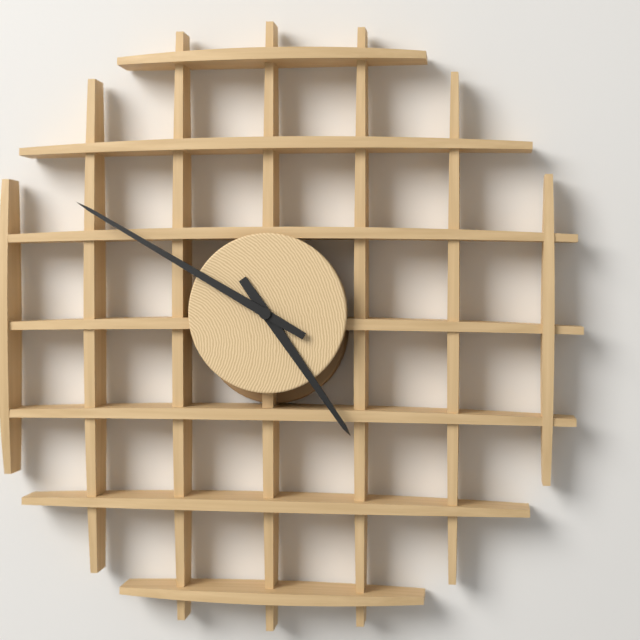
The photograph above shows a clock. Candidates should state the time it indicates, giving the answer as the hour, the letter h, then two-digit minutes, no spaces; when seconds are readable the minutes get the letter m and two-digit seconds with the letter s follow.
4h50
